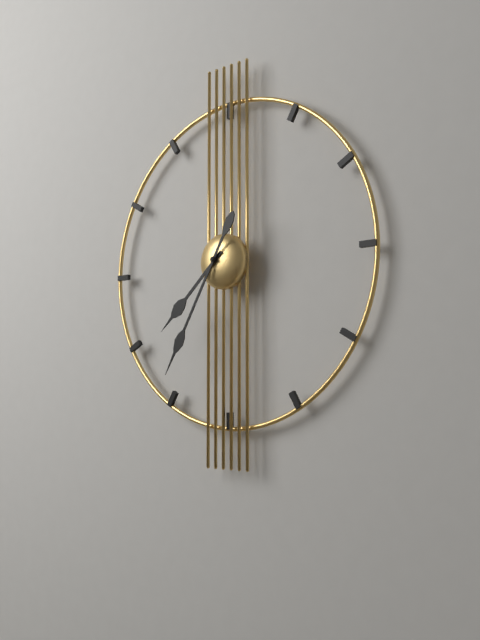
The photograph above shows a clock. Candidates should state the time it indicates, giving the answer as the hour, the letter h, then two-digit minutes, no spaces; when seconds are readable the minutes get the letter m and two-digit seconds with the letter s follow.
7h35
